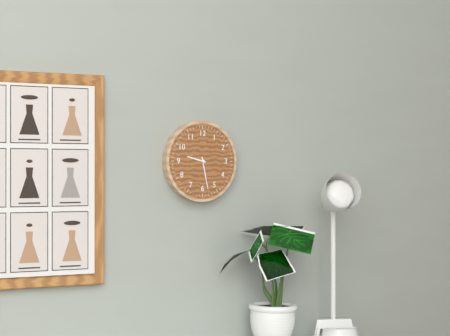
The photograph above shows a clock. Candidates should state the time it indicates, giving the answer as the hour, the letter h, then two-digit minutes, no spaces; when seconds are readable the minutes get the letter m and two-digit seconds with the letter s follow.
9h28
